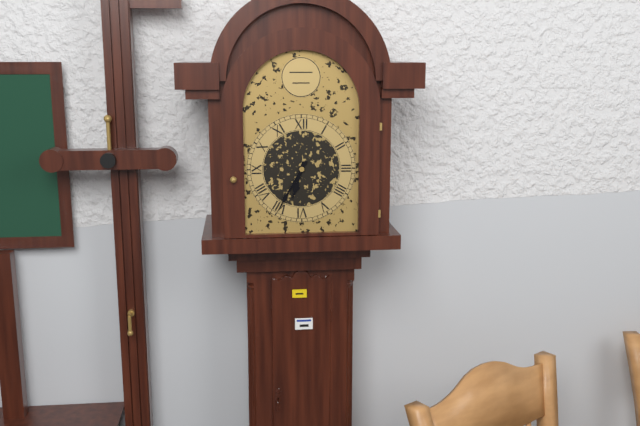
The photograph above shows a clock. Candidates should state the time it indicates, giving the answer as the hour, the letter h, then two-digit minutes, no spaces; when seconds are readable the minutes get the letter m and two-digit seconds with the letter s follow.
6h35
